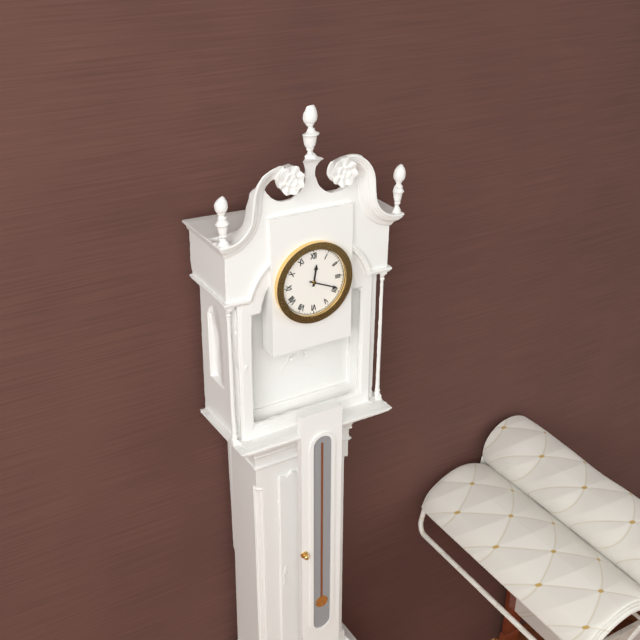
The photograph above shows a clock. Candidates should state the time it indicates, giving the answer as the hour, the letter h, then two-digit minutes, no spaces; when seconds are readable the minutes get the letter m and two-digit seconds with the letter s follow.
12h19
